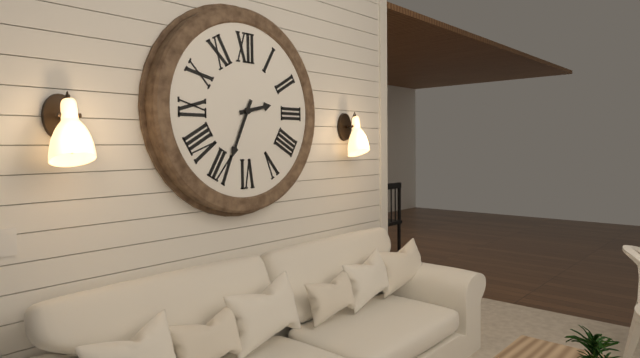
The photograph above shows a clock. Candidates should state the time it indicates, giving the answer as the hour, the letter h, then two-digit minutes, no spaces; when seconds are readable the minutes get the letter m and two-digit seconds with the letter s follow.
2h34
